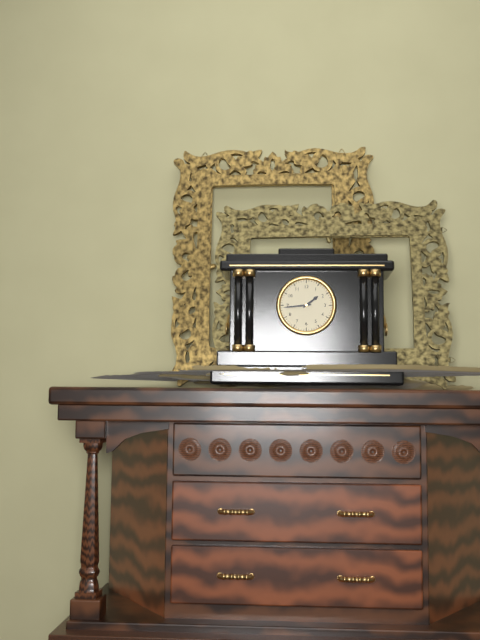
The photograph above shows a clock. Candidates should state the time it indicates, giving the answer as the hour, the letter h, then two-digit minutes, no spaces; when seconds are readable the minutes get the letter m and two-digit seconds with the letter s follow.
1h44
